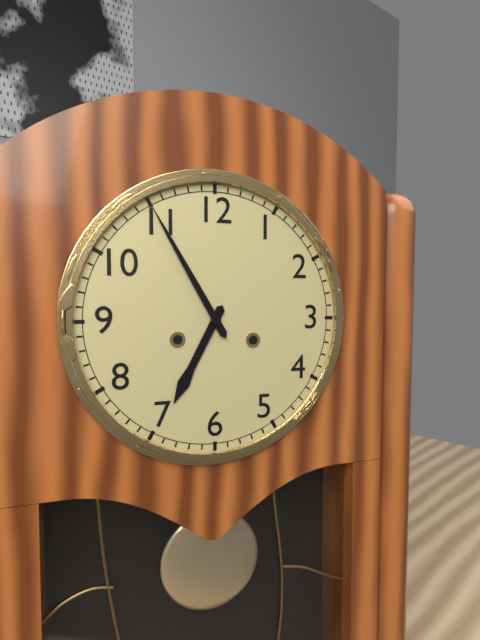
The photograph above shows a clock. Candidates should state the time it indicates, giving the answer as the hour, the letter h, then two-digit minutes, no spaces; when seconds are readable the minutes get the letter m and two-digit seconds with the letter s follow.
6h55
